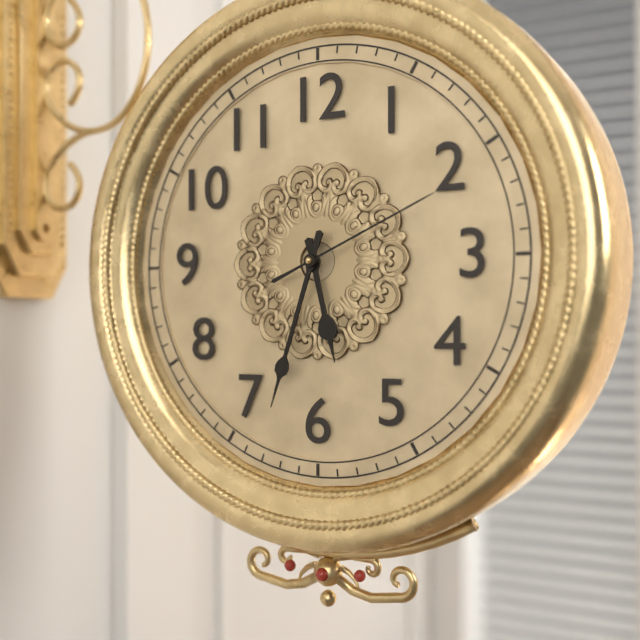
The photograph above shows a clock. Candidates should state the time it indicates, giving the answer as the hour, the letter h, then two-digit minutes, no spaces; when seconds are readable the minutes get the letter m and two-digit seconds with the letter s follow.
5h33m11s
